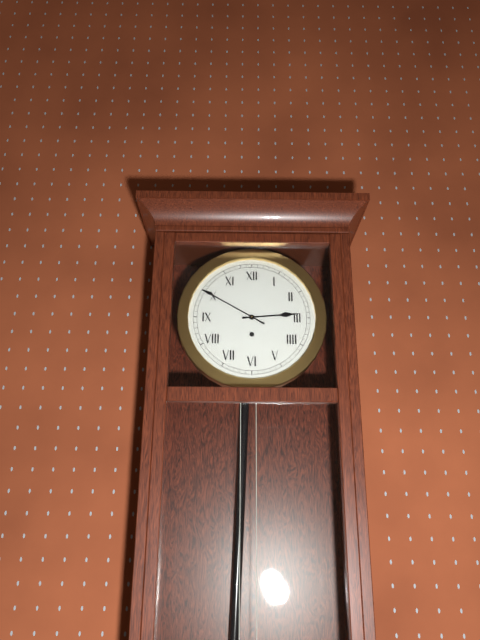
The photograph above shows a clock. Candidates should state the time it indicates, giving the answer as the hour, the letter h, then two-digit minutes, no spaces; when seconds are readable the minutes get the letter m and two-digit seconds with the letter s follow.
2h50
